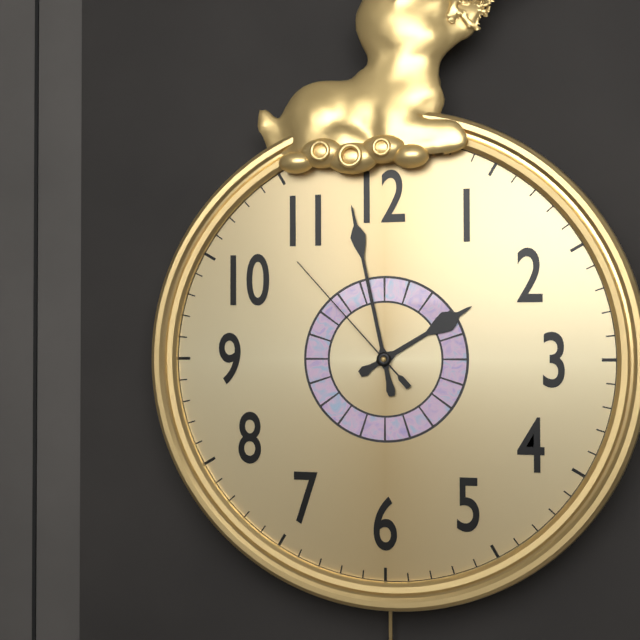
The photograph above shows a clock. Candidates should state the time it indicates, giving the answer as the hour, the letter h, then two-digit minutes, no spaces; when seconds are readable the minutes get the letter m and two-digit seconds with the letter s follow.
1h58m53s
